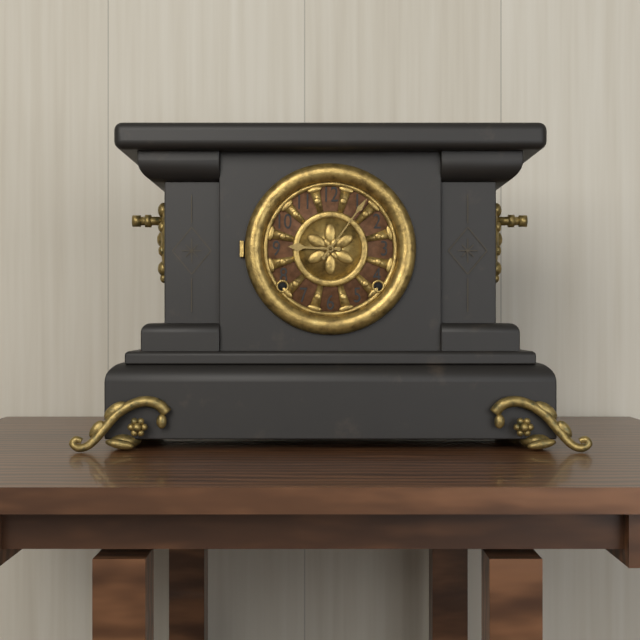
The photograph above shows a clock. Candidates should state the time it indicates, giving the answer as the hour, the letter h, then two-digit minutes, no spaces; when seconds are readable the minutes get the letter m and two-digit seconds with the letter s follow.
9h06
